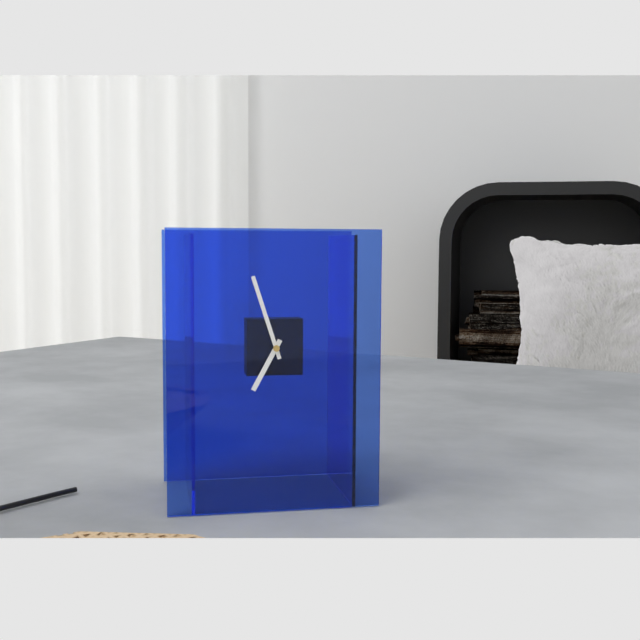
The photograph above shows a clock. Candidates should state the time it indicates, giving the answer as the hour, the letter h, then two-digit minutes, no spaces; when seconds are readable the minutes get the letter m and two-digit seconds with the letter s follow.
6h57
